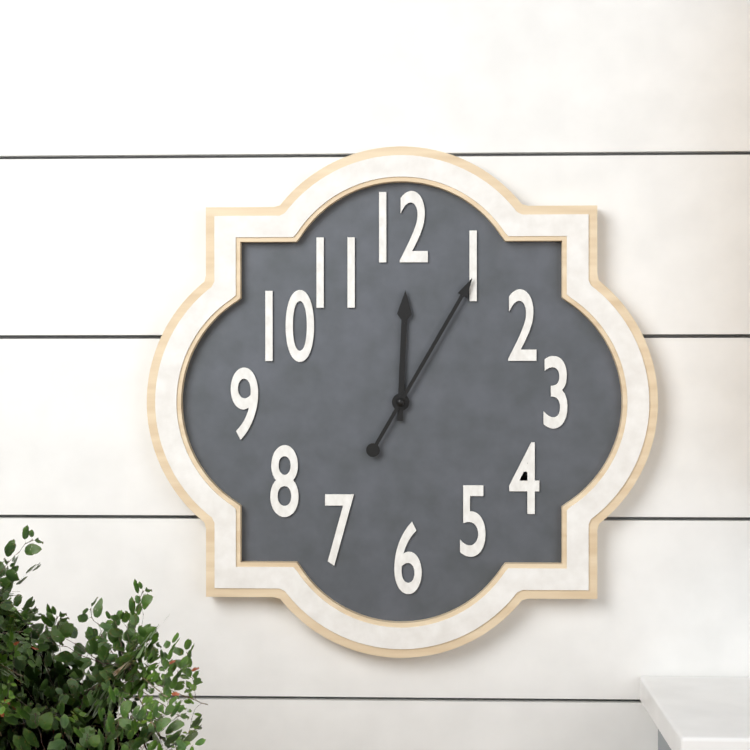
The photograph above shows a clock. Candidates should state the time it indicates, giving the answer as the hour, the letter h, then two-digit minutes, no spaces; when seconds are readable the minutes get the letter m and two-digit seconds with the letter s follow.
12h05
